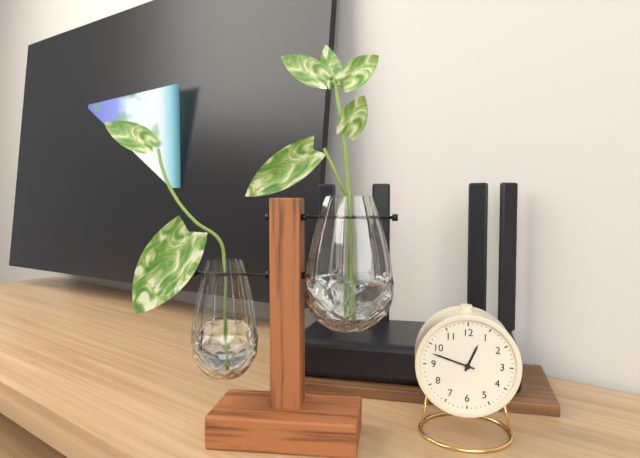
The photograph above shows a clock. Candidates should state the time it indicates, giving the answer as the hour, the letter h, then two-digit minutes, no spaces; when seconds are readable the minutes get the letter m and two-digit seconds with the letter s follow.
12h48
